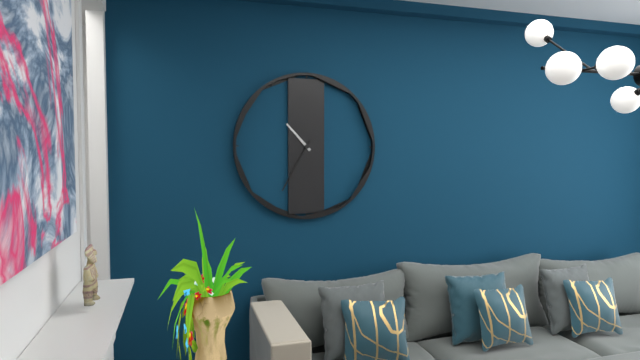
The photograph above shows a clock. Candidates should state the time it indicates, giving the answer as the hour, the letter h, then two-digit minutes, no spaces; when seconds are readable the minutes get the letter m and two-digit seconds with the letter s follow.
10h35
